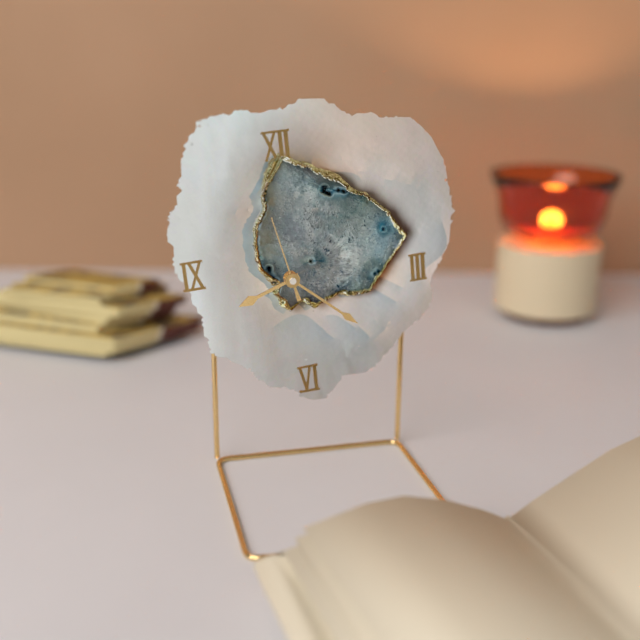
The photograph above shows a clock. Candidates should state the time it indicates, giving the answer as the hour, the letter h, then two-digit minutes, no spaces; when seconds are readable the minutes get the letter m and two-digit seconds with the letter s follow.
8h22m58s
